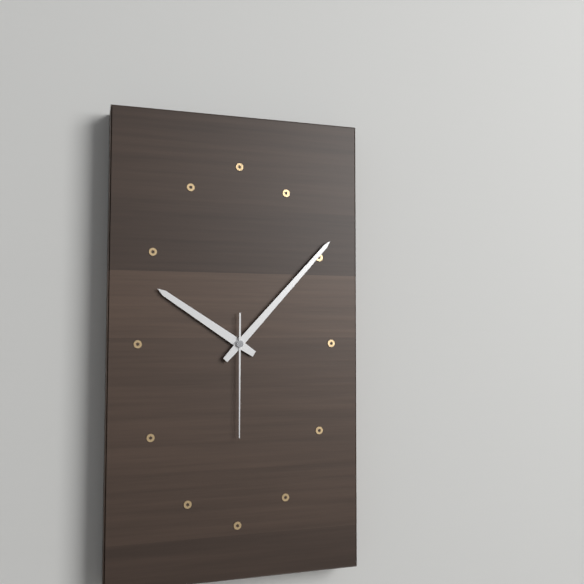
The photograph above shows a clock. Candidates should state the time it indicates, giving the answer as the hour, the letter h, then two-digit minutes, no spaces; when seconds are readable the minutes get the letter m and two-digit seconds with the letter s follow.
10h07m30s
